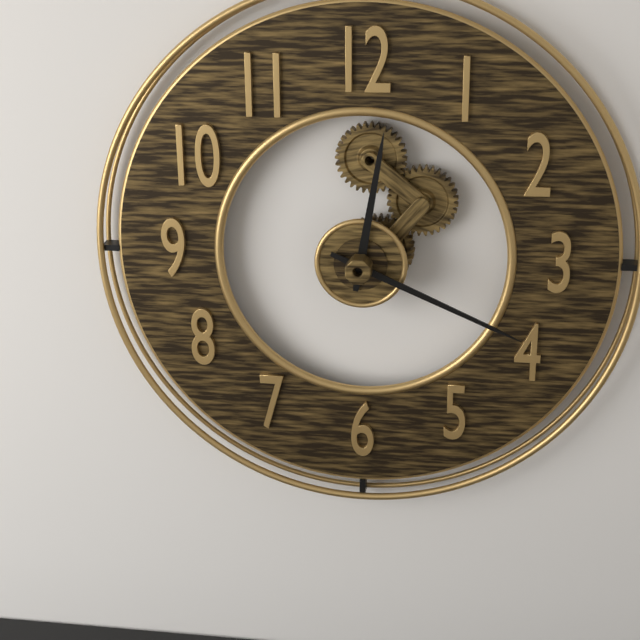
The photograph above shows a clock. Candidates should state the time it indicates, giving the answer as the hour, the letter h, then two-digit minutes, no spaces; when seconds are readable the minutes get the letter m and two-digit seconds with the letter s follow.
12h19
